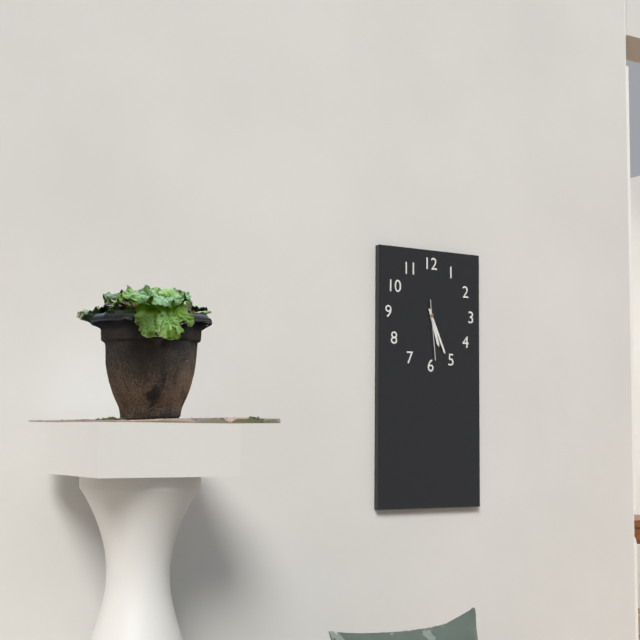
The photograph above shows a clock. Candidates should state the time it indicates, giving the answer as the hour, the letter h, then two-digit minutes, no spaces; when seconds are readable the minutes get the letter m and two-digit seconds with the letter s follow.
5h26m29s
